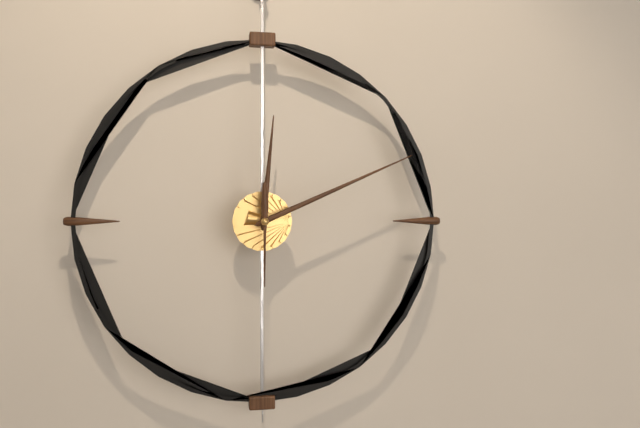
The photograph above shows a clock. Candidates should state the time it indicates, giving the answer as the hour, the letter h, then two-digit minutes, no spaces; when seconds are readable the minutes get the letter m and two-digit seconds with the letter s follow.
12h11m30s
